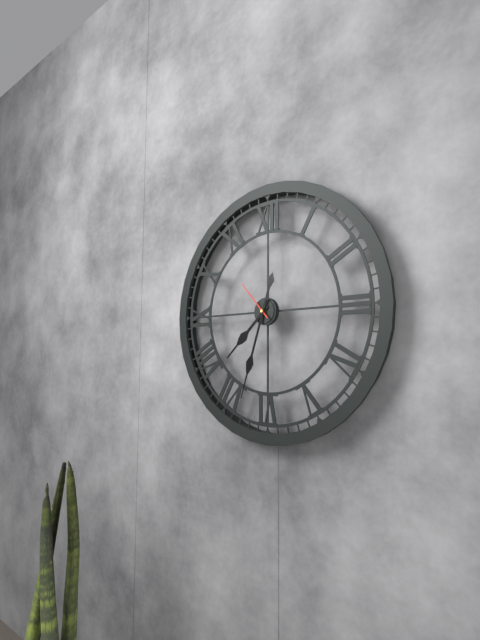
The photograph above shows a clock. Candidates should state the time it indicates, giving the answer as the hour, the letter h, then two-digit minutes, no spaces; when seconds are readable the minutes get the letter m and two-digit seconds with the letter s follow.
7h33
